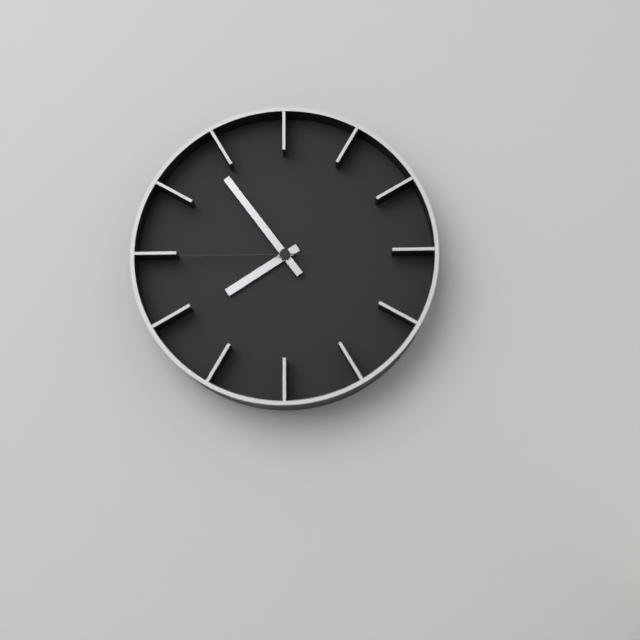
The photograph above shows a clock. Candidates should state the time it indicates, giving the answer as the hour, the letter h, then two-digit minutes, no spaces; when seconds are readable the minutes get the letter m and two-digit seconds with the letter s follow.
7h54m45s
